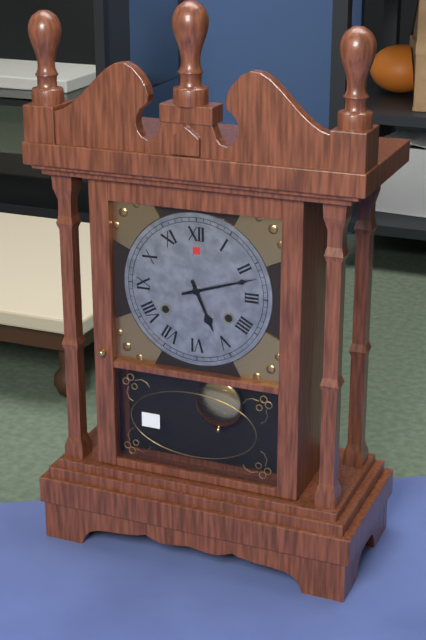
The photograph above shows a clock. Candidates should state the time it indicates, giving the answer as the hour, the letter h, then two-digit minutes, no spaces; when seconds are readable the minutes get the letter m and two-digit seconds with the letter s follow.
5h12
